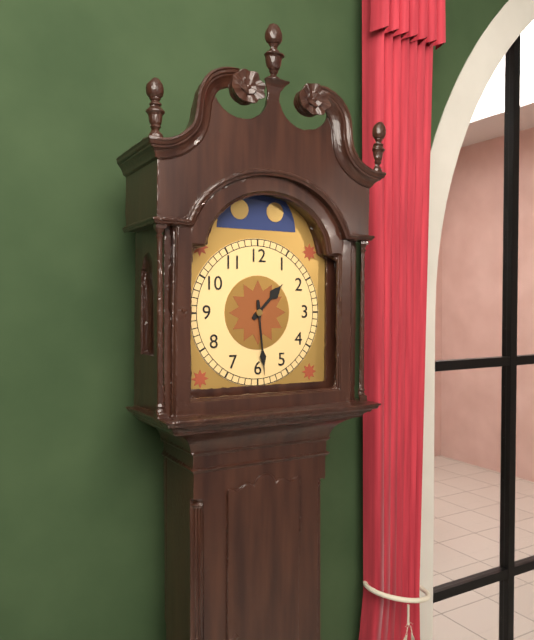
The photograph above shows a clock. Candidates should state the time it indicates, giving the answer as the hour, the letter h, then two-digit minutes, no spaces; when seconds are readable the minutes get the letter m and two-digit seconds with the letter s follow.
1h29
